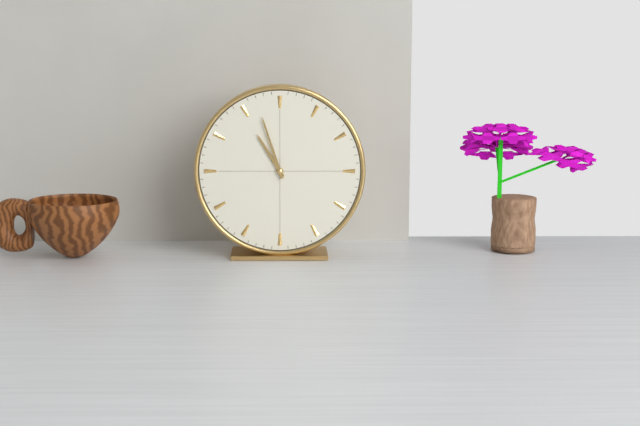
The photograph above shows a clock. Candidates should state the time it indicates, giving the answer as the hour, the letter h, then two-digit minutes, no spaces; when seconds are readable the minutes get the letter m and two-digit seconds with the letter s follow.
10h57
